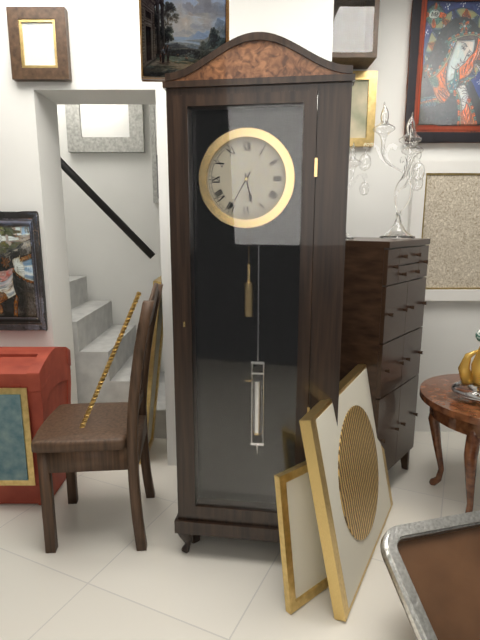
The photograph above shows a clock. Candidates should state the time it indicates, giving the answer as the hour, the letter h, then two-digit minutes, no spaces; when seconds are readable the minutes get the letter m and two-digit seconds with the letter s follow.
5h35
